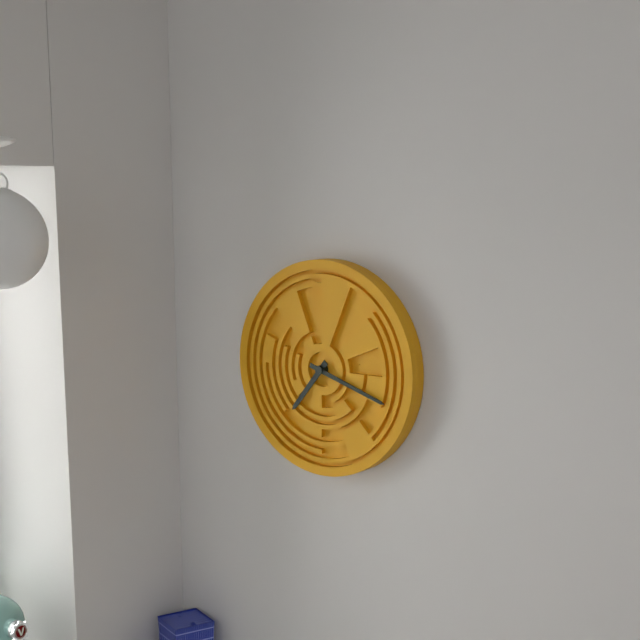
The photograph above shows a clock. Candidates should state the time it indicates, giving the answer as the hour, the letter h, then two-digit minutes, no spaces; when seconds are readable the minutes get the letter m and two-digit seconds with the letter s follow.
7h18
